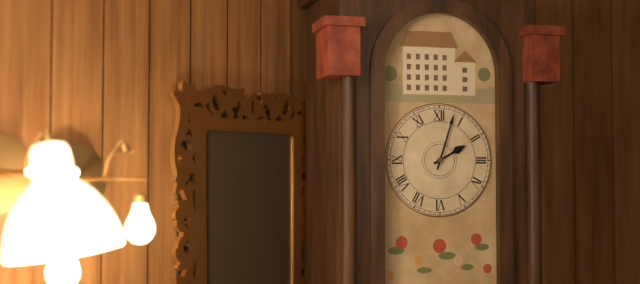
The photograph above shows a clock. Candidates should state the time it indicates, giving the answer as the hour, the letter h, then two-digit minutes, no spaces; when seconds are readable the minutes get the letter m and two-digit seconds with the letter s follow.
2h03
